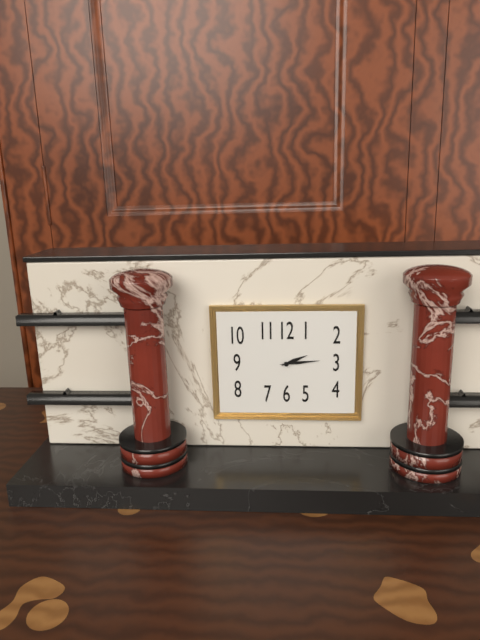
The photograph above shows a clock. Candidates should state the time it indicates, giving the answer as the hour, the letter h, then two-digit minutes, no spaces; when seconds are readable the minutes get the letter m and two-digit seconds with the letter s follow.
2h14
